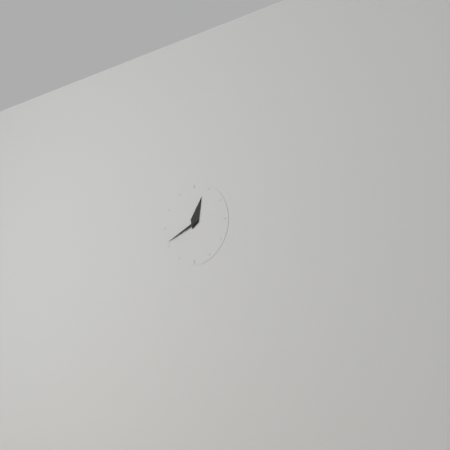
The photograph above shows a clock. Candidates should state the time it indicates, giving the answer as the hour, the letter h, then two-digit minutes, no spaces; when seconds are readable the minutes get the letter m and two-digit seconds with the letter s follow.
12h41
